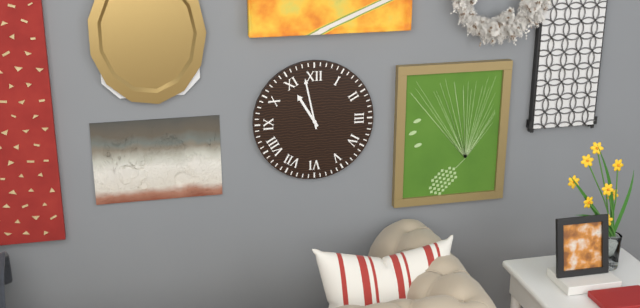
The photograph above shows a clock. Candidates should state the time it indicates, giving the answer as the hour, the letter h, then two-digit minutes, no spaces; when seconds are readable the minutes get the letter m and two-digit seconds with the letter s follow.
10h58
